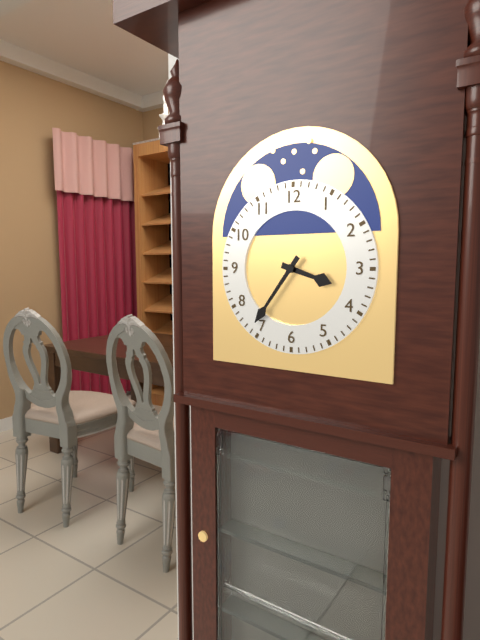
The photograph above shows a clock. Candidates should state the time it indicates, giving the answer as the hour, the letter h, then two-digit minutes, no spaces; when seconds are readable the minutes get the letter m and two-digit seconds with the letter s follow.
3h36
